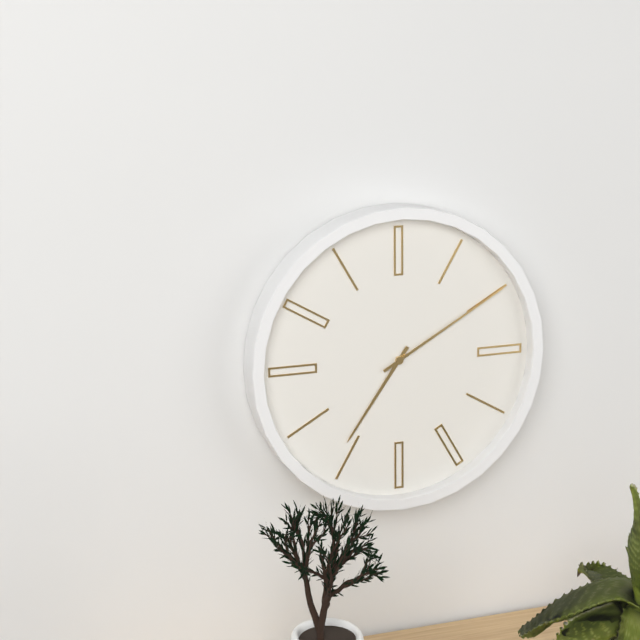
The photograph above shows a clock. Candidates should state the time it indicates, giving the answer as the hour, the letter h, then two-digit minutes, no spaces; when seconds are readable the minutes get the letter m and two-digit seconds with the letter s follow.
7h10
